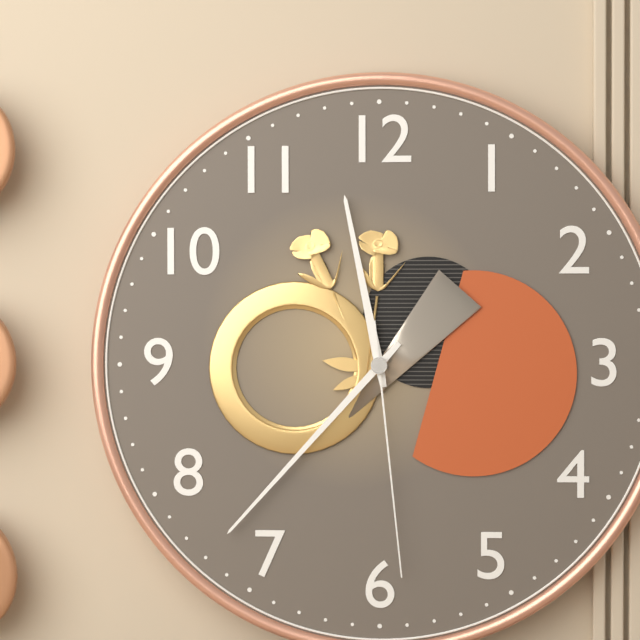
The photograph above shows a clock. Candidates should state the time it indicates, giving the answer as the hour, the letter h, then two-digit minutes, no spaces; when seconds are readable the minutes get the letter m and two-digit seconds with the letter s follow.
11h37m29s
